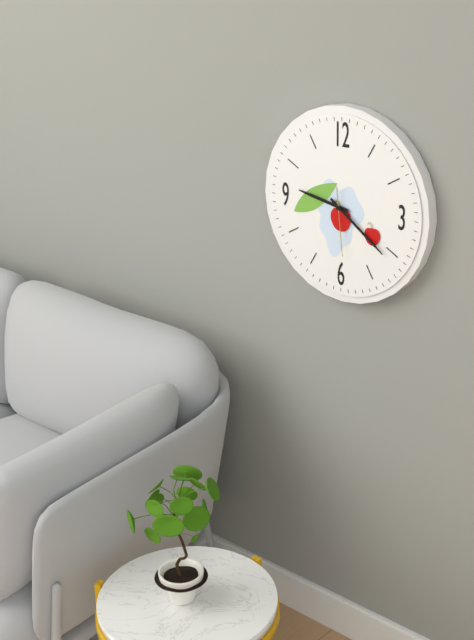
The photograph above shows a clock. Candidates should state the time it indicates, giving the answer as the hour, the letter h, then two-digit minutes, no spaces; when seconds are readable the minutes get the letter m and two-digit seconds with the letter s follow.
9h21m29s
